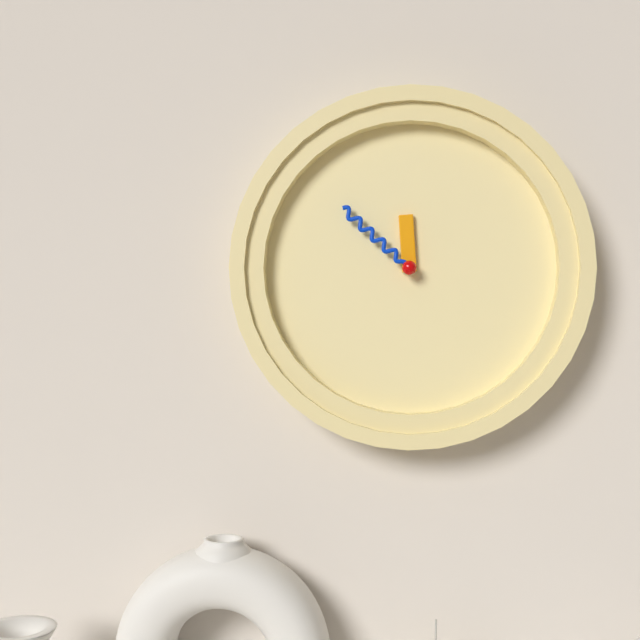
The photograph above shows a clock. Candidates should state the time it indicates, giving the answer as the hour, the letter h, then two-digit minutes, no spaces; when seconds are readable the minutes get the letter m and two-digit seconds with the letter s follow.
11h52
